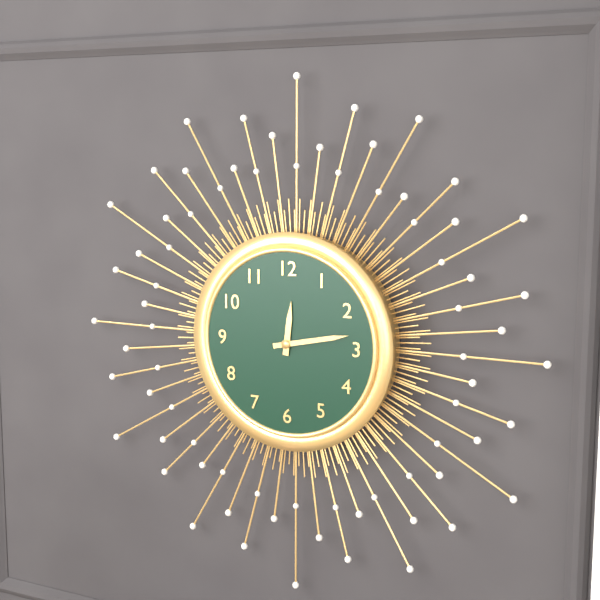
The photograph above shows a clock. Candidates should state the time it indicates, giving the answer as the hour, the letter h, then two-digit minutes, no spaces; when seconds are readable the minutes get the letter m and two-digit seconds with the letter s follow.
12h13
